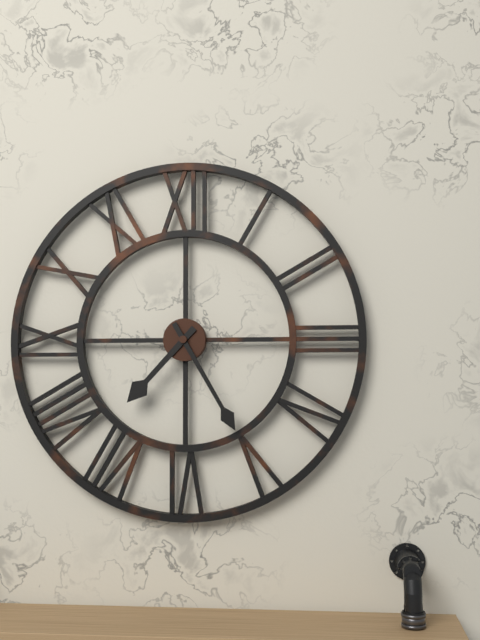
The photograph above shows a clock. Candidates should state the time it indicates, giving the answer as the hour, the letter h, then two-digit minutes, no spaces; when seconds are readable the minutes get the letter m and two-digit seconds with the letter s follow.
7h25
